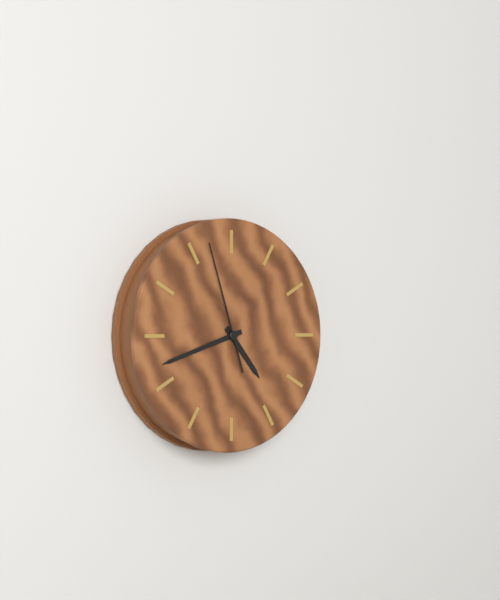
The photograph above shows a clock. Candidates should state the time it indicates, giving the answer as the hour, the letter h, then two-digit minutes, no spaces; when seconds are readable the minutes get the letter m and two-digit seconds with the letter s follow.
4h42m57s
